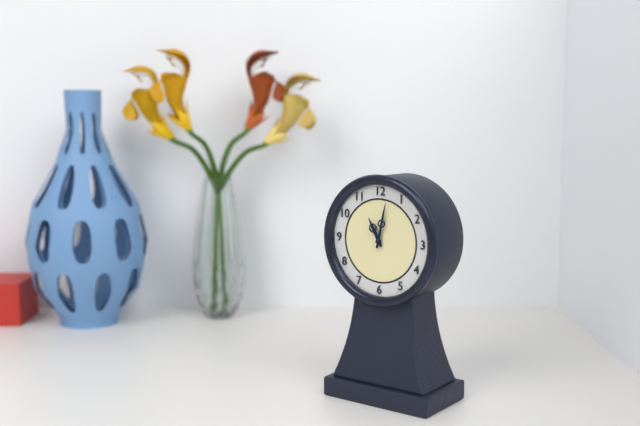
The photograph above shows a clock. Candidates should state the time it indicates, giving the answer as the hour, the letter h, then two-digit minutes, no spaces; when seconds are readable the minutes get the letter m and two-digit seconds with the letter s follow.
11h02
